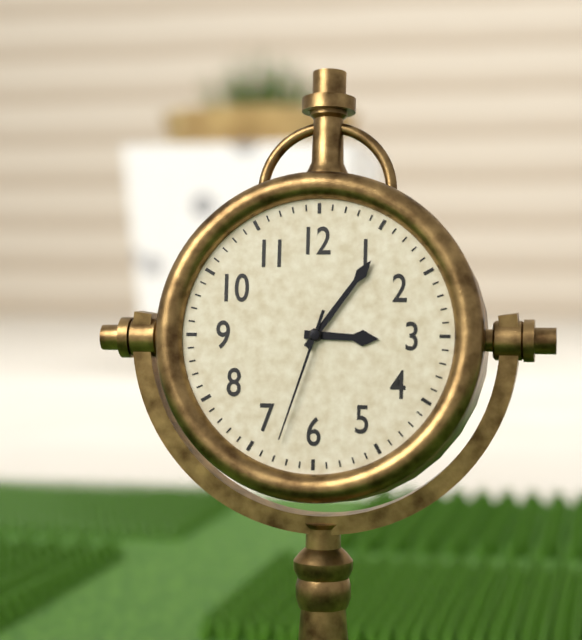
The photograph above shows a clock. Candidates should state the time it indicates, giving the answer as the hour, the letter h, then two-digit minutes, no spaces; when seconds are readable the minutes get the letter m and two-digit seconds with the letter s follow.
3h06m33s
